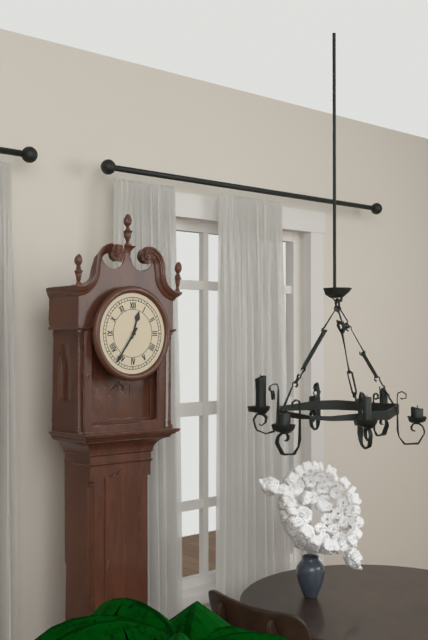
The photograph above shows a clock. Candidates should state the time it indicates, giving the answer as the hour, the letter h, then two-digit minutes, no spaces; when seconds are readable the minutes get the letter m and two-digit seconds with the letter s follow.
12h36
